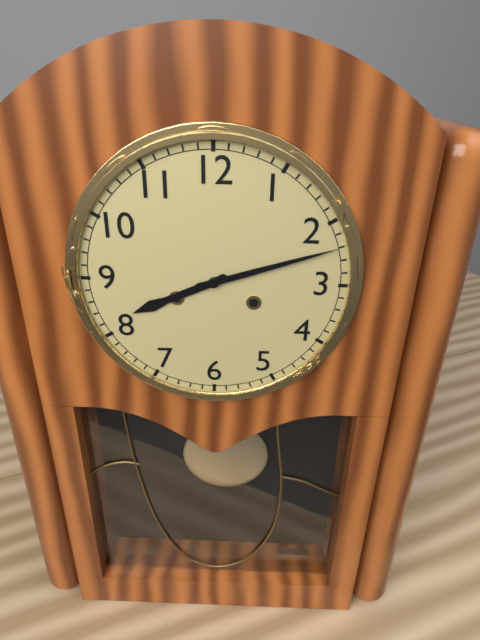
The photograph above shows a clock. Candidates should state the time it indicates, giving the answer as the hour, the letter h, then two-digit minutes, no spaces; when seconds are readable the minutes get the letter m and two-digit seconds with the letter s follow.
8h12
